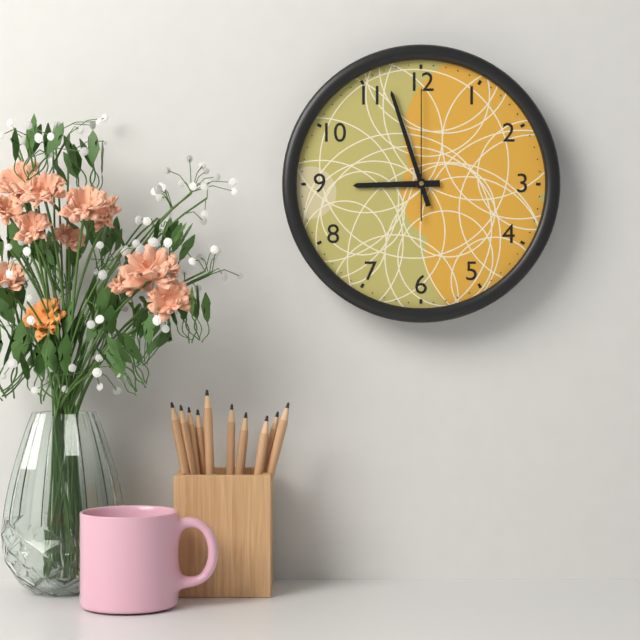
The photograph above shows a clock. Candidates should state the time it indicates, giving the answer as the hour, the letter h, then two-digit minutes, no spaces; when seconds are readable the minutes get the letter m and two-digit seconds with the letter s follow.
8h57m00s
